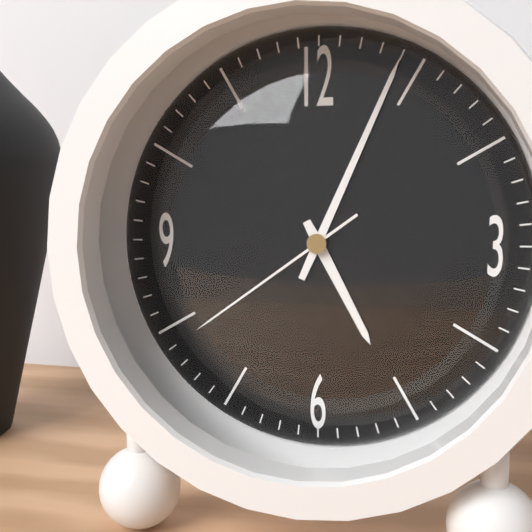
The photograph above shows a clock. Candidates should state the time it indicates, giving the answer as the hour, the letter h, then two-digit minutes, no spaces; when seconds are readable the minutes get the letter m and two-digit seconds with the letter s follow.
5h04m39s
